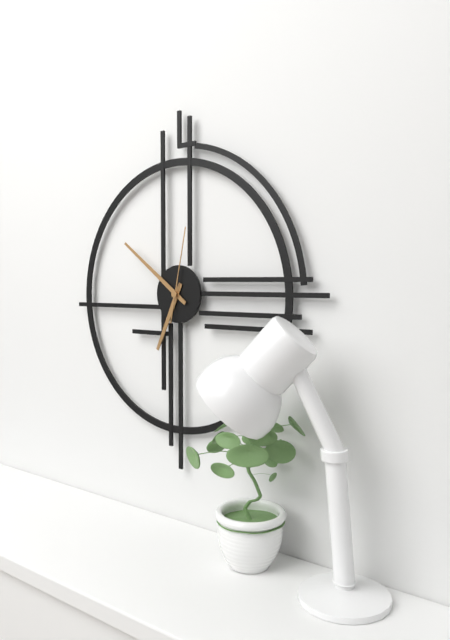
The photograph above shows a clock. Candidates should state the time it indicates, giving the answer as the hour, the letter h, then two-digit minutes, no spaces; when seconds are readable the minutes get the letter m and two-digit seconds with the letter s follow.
6h51m02s
